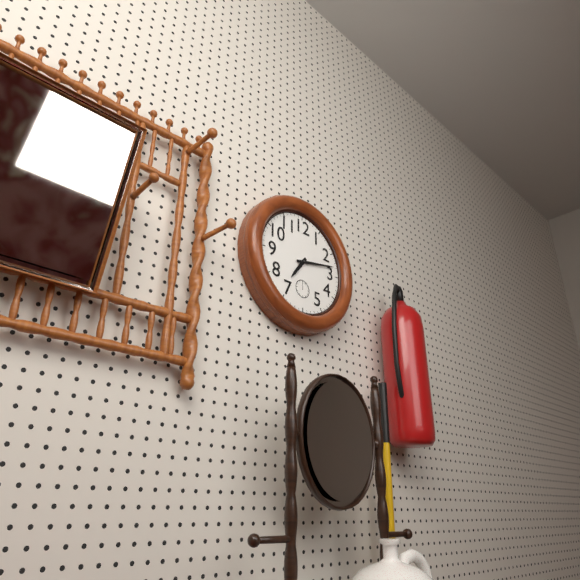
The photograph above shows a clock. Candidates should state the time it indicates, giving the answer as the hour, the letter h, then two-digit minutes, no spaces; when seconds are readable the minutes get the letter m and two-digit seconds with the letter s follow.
7h13
